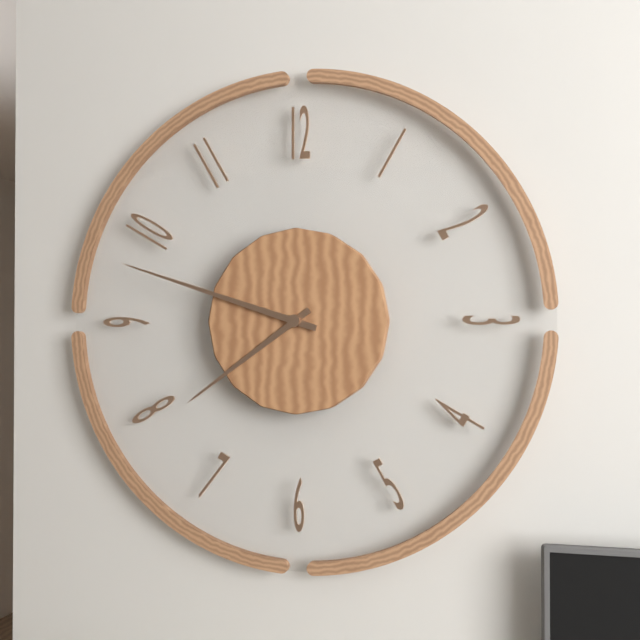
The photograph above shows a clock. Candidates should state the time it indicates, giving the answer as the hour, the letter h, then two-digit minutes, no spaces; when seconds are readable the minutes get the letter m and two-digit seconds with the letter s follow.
7h48
